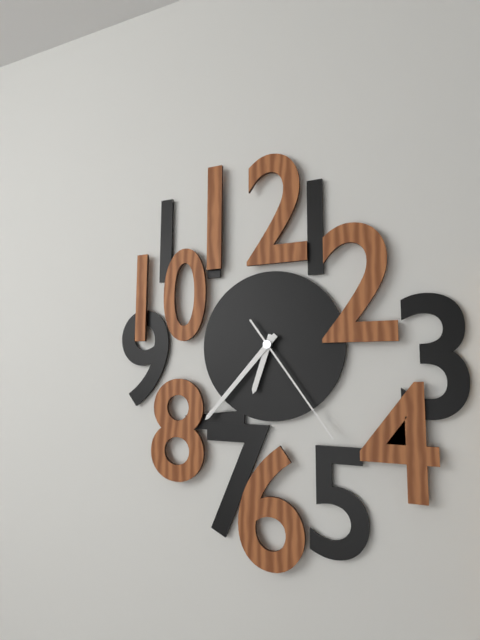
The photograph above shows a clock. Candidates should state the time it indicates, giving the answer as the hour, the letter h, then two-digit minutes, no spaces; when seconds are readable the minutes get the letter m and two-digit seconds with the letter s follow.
6h37m24s
